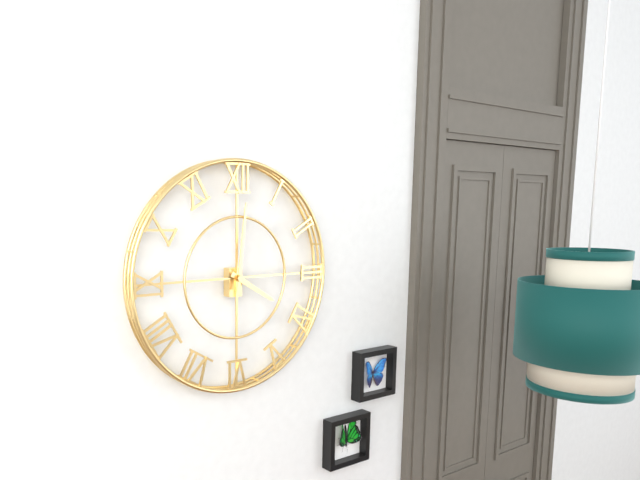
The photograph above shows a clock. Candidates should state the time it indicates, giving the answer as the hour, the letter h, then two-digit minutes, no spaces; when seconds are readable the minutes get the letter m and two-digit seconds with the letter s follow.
4h01
